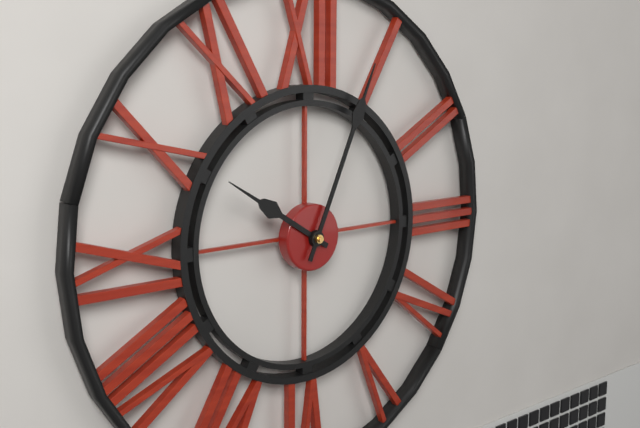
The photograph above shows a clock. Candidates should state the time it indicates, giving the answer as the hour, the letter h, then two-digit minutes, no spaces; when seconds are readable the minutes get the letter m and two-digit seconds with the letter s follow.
10h04
